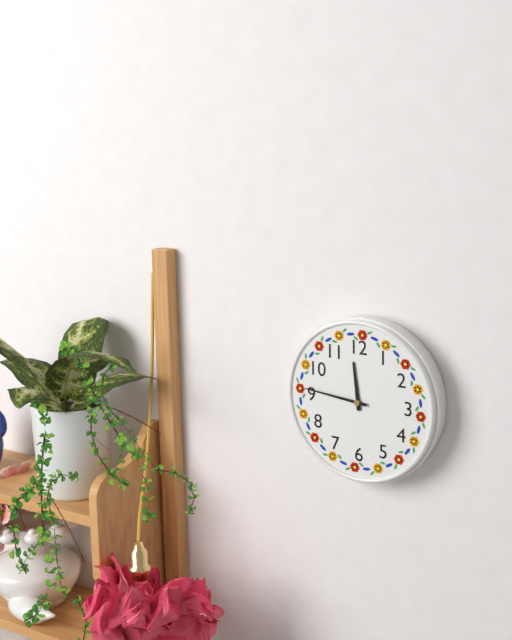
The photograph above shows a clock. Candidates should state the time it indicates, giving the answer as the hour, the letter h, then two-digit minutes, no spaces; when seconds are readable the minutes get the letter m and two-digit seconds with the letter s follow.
11h46
